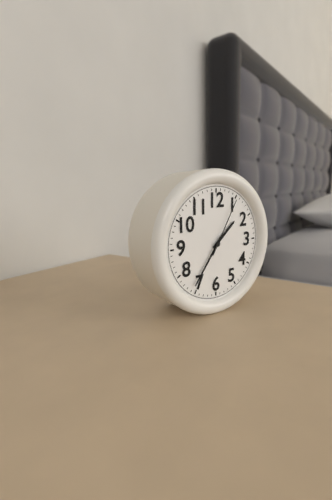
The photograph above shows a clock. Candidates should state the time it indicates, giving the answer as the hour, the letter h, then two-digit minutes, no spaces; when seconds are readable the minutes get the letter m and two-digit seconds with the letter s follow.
1h36m05s
